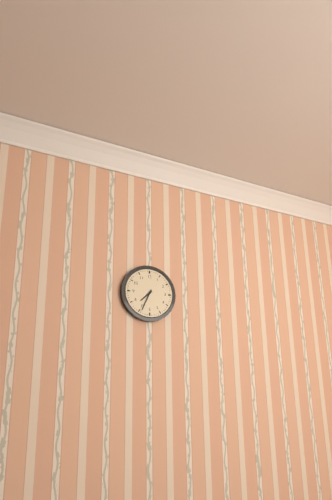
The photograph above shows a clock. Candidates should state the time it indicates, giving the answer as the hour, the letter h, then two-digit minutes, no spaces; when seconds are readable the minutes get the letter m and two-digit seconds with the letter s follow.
7h34
